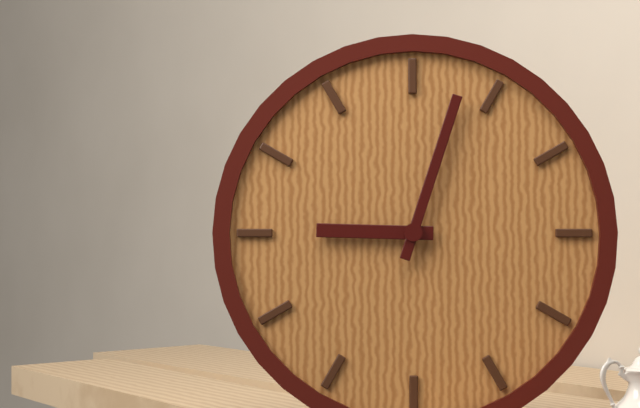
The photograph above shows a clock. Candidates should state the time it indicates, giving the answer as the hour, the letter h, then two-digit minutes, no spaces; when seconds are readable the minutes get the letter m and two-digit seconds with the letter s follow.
9h03
